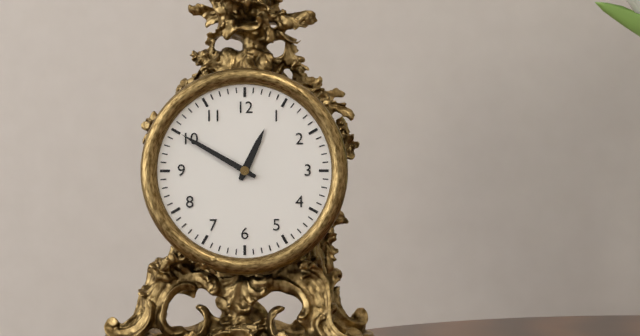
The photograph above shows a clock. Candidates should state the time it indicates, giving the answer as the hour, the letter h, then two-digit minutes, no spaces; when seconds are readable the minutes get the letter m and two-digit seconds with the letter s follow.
12h50
